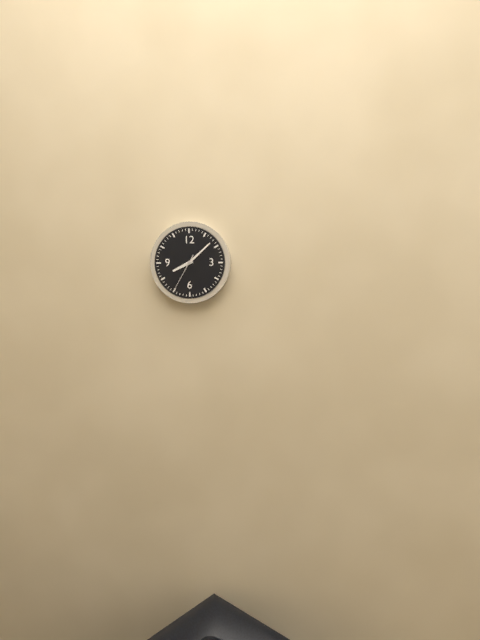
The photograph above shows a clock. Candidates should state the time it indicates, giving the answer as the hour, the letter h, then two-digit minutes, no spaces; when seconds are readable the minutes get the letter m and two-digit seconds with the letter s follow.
8h08
